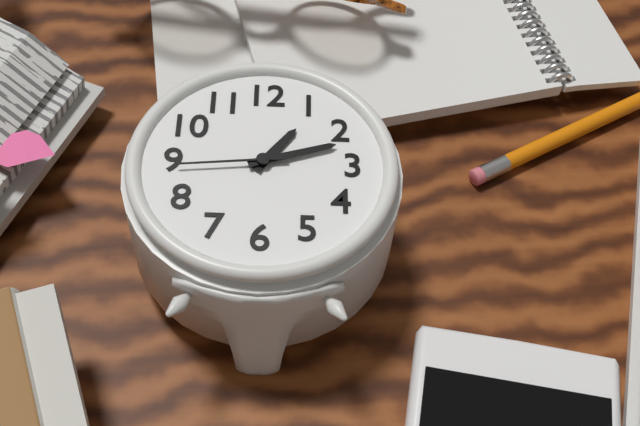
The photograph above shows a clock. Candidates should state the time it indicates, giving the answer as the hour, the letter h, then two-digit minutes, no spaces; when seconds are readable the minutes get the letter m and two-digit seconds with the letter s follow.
1h12m44s
